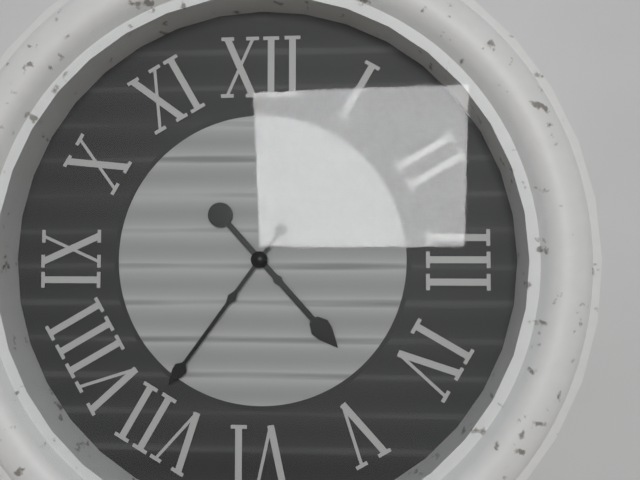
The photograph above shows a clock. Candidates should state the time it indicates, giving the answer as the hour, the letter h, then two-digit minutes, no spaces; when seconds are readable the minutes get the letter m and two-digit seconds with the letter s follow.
4h36
